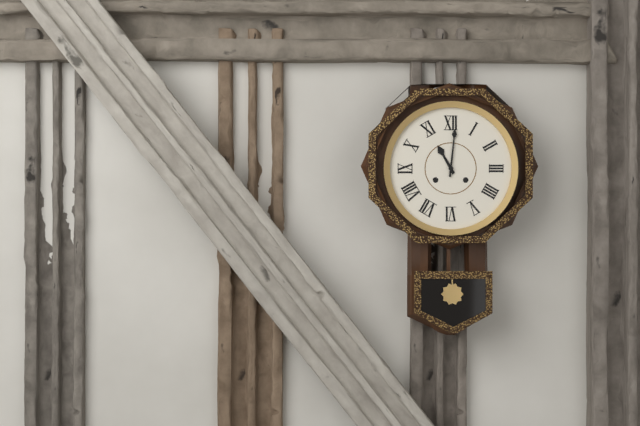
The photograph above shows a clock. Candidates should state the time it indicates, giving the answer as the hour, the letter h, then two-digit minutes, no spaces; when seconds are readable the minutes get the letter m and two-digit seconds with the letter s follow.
11h01
